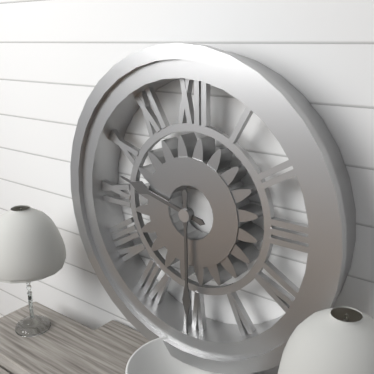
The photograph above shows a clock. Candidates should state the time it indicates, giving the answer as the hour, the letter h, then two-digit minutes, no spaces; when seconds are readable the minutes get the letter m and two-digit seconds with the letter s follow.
9h30
